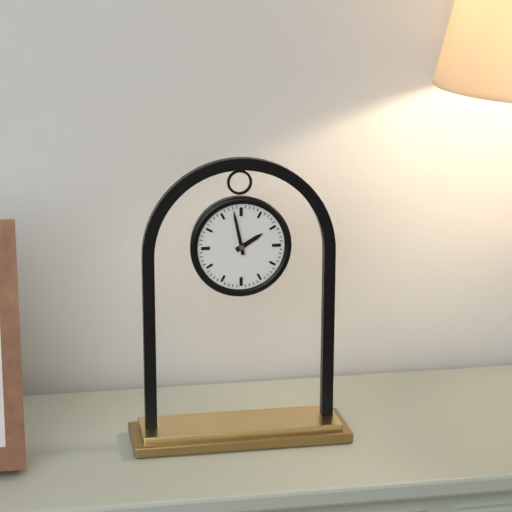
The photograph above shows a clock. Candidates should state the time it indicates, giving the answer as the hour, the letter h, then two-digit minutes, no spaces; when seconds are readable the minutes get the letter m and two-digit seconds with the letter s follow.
1h58
